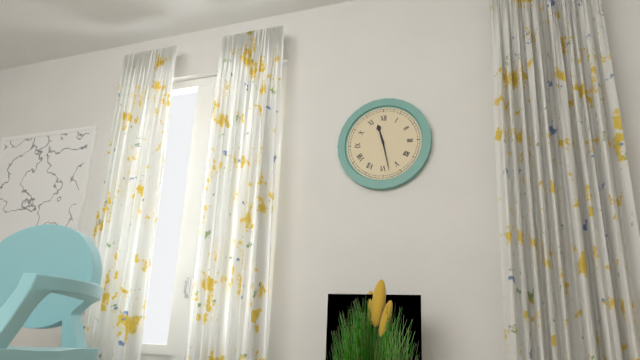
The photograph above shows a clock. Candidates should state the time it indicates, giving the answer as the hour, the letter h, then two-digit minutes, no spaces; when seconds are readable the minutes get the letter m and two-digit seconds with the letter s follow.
11h28
